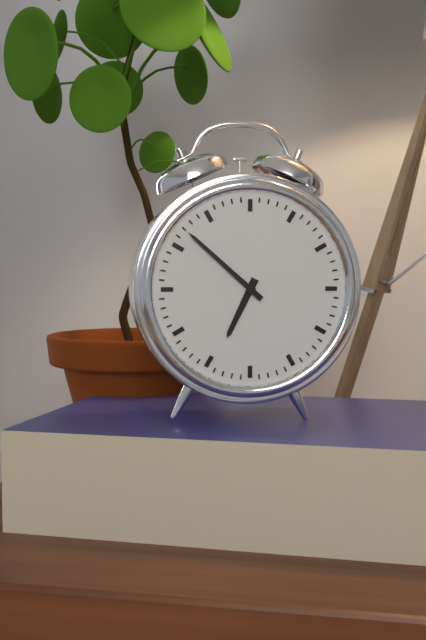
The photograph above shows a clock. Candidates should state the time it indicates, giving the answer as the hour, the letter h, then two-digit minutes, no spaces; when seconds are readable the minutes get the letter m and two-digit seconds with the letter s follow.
6h52
